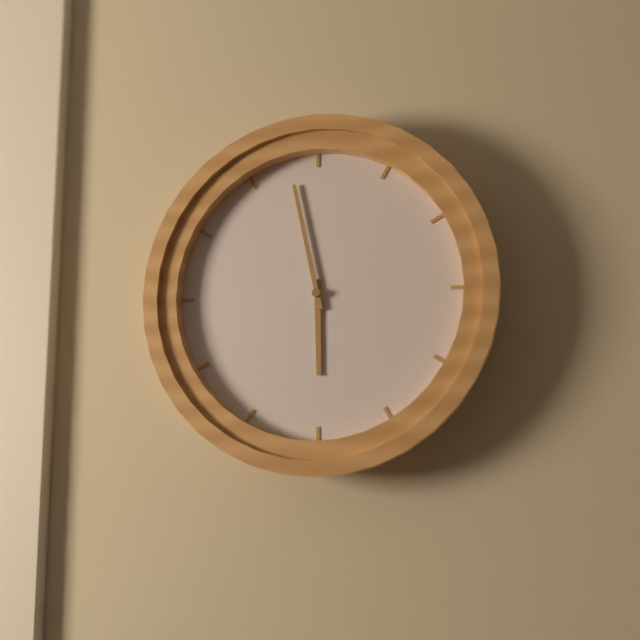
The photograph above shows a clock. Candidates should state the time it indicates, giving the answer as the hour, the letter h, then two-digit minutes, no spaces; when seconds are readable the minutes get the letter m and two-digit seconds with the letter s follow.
5h58
